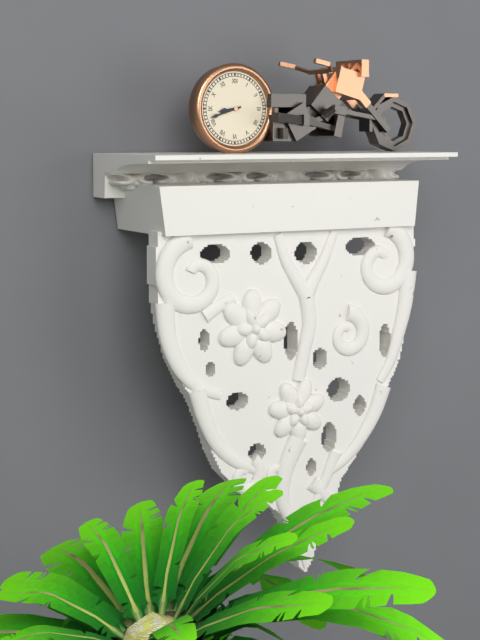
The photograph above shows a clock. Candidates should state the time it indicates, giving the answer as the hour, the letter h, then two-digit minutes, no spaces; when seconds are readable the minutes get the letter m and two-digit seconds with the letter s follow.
8h42
